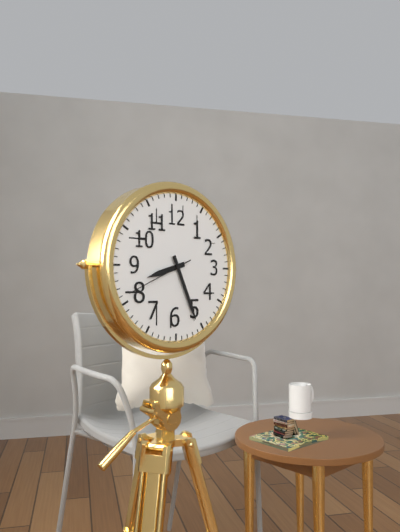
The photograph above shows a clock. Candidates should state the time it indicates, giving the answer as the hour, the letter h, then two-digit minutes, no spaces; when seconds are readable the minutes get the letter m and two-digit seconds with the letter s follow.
8h26m41s
